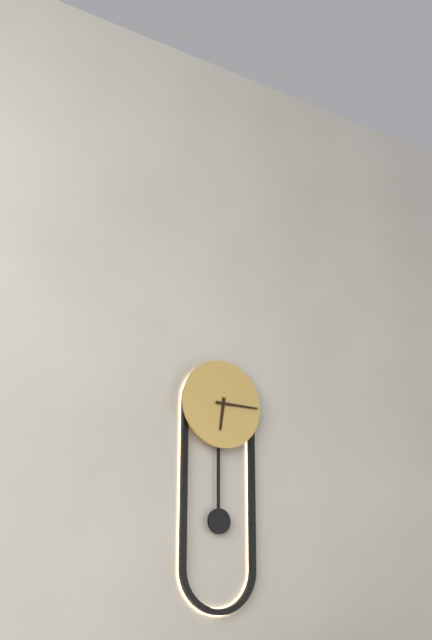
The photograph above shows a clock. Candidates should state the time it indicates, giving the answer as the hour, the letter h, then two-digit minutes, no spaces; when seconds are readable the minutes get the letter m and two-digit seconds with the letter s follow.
6h15
